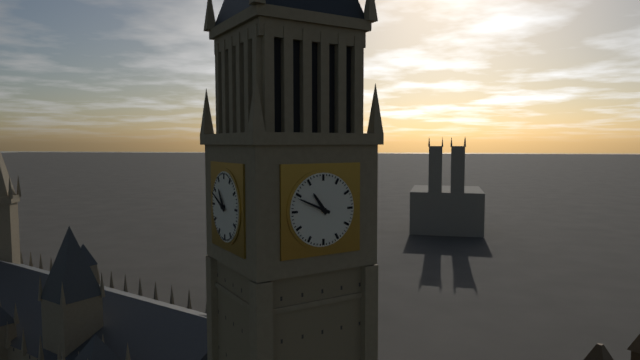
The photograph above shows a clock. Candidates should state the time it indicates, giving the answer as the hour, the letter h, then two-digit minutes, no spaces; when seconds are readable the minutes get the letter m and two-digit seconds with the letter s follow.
10h49
